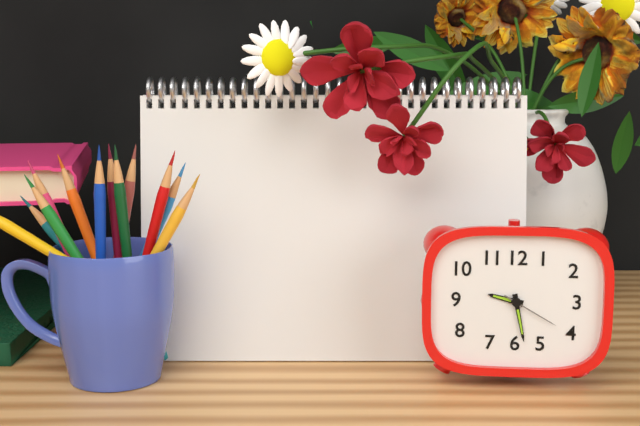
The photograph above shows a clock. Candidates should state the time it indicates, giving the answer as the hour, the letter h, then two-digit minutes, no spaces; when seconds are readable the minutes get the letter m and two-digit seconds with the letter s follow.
9h28m20s
